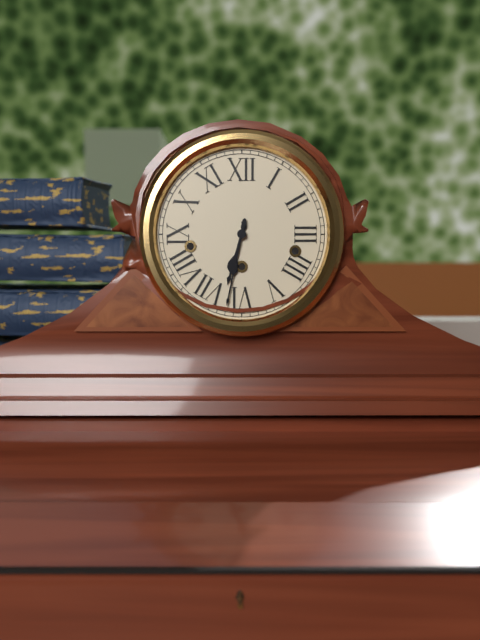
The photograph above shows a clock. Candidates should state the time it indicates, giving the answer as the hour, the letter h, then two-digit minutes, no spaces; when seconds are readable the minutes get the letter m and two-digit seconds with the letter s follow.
6h32
